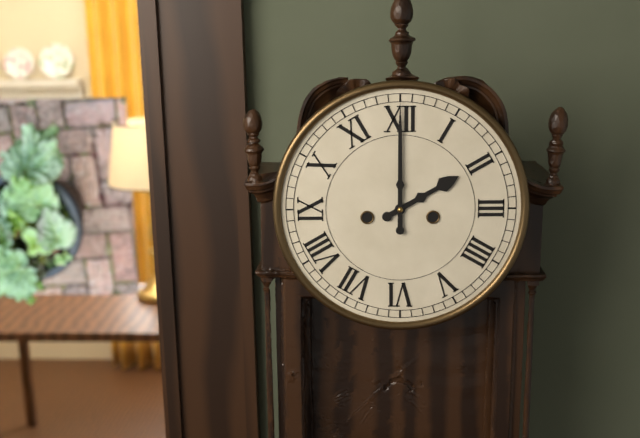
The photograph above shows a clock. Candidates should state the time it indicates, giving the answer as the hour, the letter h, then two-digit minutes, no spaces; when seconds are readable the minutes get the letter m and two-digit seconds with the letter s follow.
2h00
